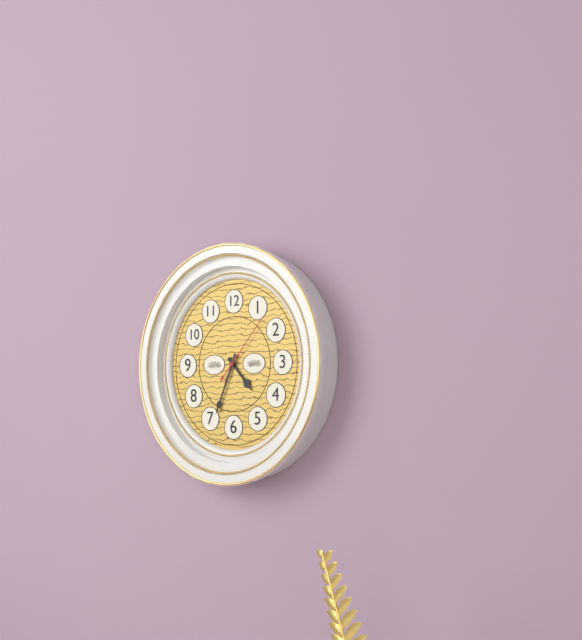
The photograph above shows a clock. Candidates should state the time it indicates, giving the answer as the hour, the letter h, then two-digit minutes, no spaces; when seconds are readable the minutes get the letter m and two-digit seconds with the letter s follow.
4h34m07s
